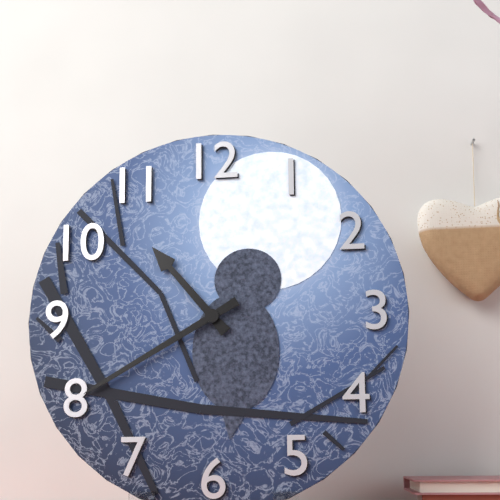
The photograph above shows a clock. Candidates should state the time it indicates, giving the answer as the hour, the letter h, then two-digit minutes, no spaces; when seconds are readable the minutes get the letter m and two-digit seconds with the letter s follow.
10h40
